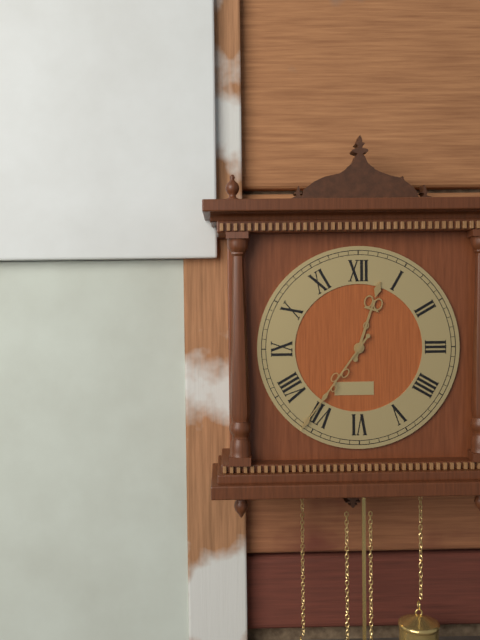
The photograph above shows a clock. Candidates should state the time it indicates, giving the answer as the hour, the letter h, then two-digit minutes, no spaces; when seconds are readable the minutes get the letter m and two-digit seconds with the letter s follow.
12h36
